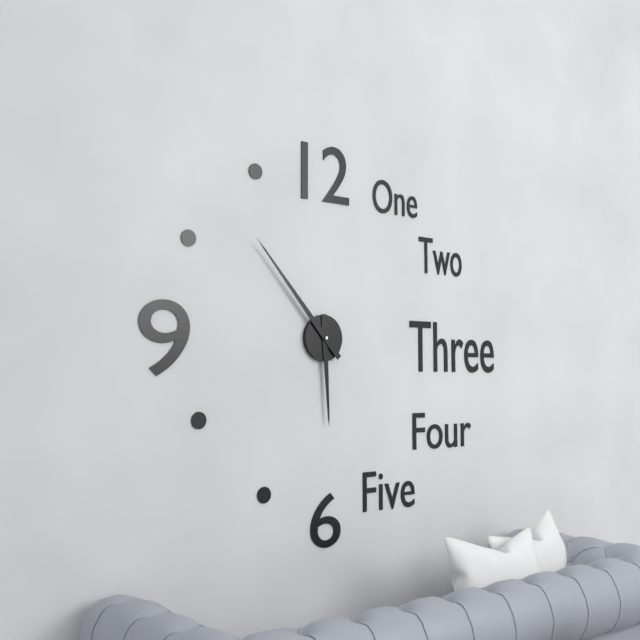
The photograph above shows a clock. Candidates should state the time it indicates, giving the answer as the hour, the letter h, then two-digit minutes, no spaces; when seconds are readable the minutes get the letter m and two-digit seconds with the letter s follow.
5h53
